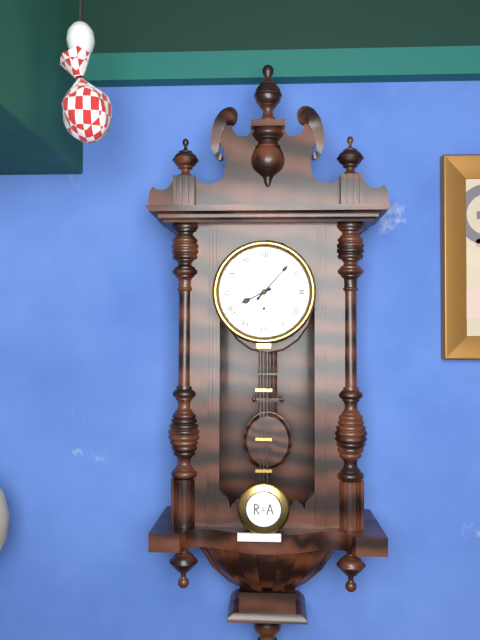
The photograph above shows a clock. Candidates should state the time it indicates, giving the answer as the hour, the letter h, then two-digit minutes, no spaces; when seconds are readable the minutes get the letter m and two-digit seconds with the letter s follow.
8h07
